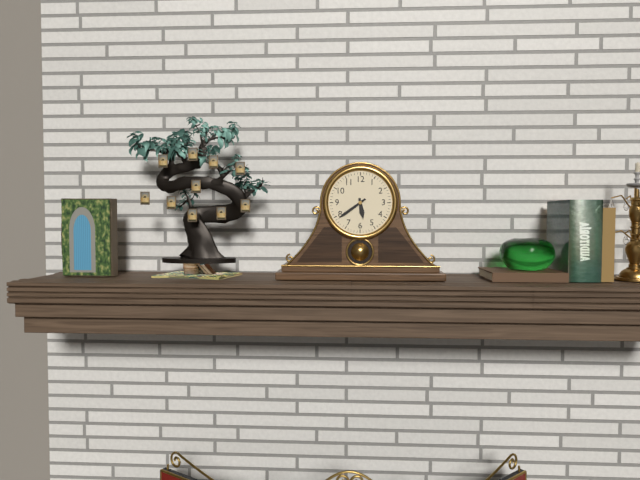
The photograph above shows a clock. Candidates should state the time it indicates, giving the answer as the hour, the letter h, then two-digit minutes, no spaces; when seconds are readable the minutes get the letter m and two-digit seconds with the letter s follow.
5h39
